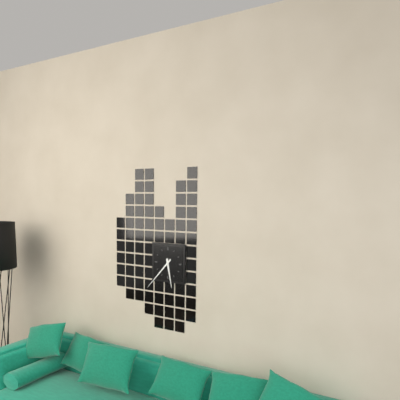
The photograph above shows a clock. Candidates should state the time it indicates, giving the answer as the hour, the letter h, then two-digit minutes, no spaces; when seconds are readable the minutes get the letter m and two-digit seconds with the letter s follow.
5h37
